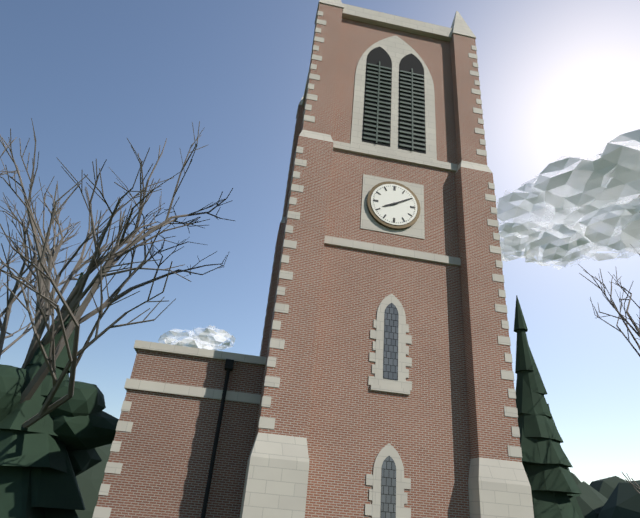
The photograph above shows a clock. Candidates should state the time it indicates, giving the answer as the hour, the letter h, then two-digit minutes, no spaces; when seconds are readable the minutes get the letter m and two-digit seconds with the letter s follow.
8h10
